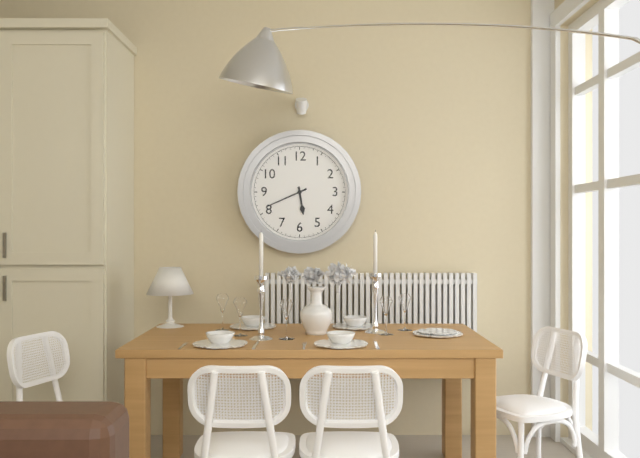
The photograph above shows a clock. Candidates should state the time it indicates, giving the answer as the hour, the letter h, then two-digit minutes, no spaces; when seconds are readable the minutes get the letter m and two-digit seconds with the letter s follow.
5h41
